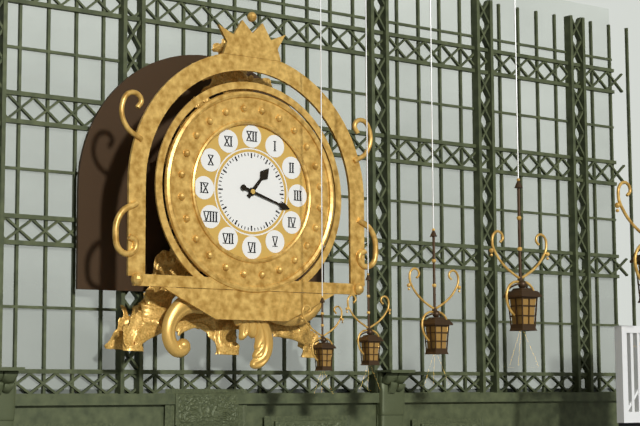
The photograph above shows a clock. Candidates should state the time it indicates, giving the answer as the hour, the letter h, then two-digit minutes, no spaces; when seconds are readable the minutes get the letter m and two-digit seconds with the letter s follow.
1h18
